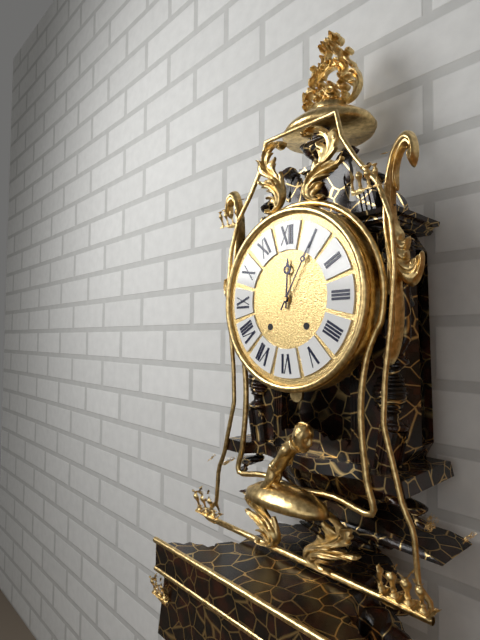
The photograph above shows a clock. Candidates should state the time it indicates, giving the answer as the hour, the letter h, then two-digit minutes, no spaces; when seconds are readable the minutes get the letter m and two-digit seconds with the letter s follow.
12h05
